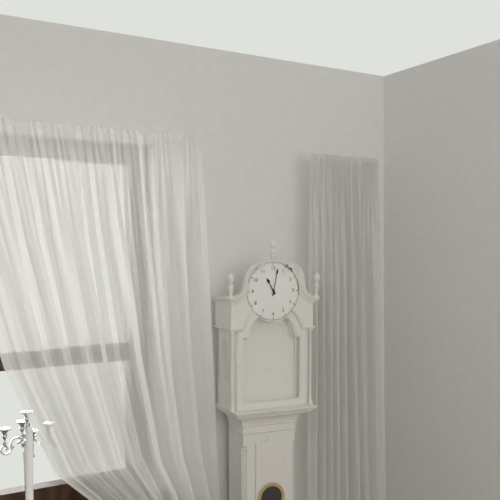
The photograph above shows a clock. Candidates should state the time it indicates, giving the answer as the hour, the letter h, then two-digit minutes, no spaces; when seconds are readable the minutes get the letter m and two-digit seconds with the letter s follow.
11h02
